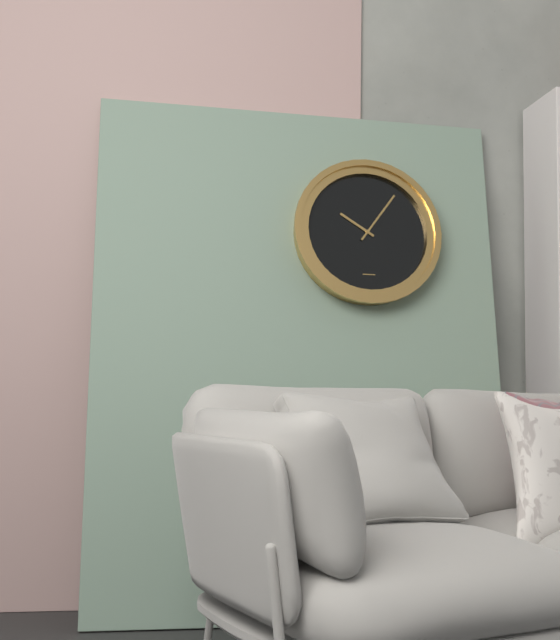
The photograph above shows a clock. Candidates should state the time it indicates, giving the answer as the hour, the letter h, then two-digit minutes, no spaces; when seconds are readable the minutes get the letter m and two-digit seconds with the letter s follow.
10h06
